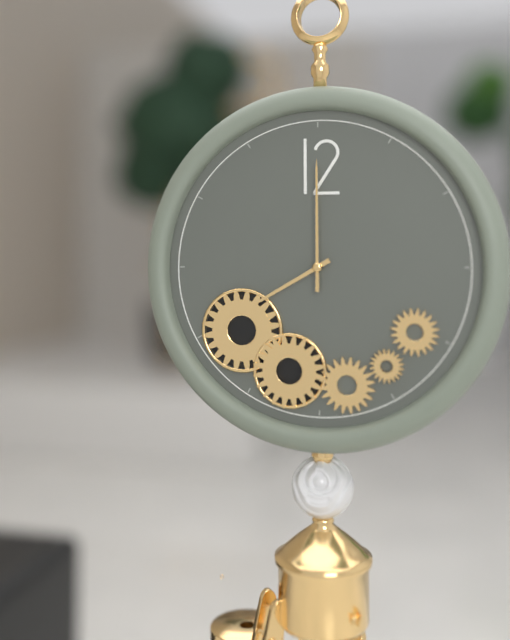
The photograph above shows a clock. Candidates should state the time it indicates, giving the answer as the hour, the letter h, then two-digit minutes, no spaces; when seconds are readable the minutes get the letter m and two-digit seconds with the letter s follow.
8h00
